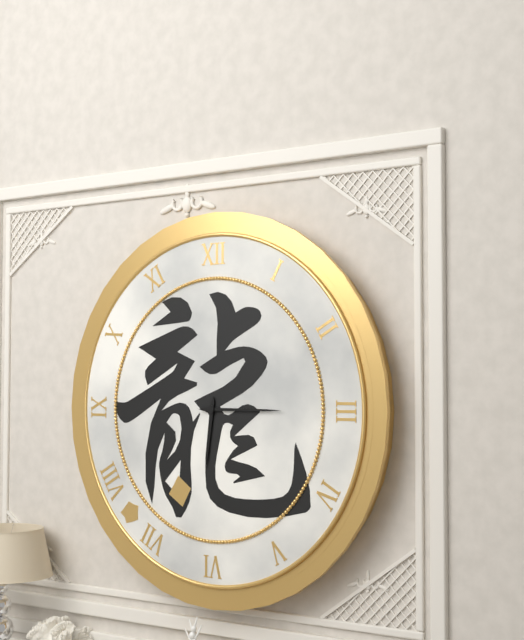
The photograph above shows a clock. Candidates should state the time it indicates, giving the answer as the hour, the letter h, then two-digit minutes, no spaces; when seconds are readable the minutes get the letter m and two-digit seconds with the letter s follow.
6h15
